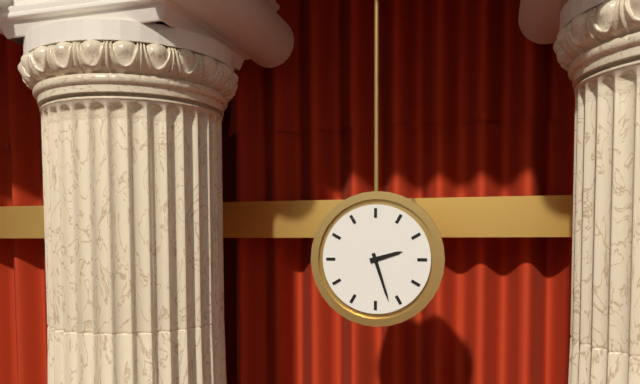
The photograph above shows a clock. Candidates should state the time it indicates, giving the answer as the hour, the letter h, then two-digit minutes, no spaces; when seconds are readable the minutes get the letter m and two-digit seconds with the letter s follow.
2h27
